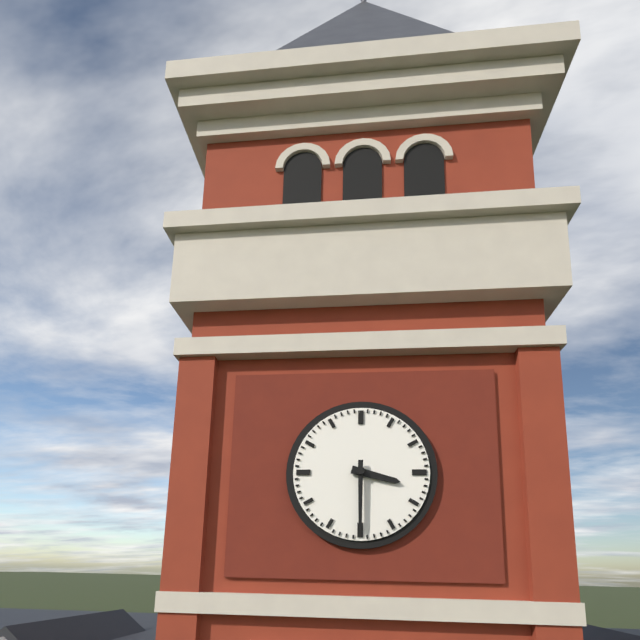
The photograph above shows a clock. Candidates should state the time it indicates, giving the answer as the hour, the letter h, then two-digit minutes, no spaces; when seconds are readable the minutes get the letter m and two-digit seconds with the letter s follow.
3h30
